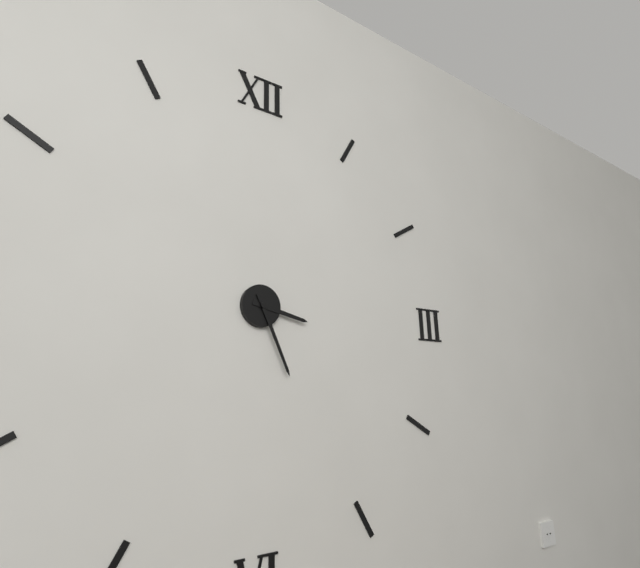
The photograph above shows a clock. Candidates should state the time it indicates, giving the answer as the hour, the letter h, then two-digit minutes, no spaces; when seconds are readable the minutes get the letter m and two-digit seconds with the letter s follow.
3h26
